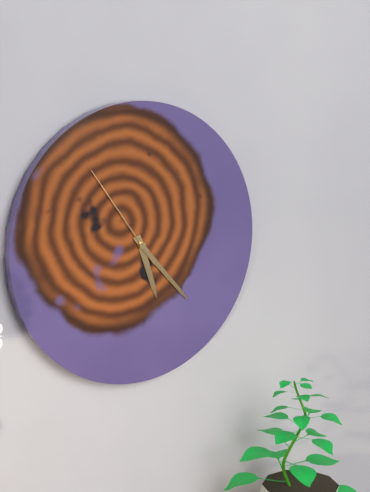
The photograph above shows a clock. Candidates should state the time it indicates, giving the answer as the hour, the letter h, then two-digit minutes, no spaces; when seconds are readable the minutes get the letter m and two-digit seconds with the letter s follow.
5h23m54s
